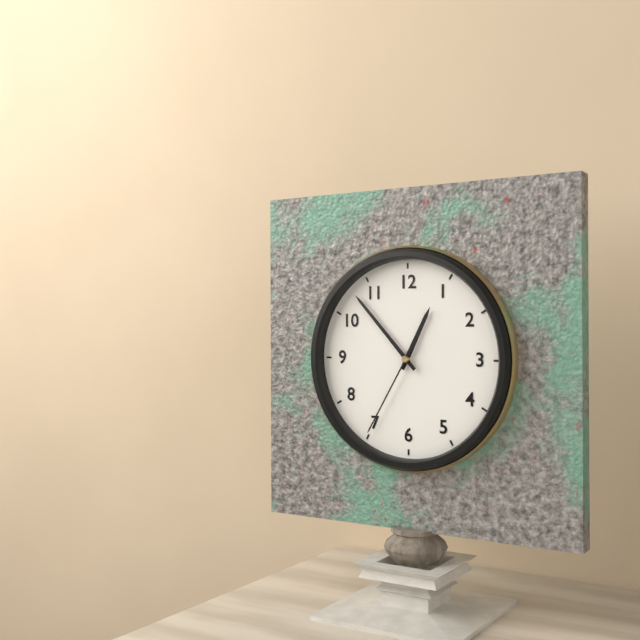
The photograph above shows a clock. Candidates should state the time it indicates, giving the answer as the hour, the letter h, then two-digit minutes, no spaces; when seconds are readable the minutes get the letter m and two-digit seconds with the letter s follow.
12h53m35s
